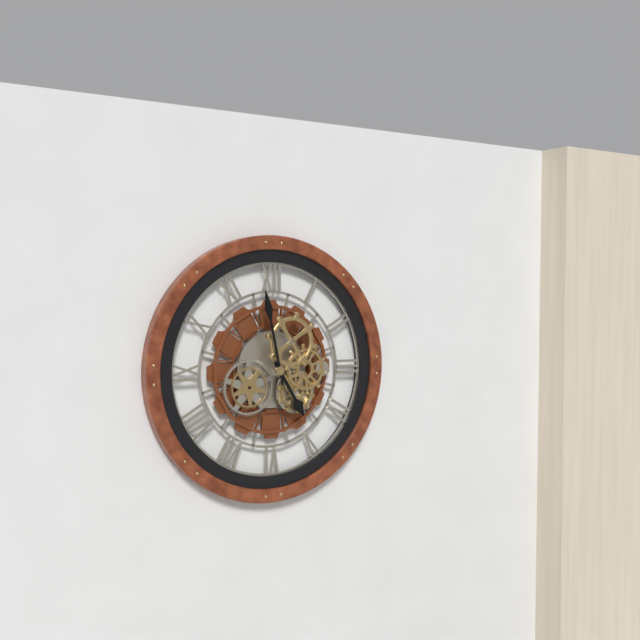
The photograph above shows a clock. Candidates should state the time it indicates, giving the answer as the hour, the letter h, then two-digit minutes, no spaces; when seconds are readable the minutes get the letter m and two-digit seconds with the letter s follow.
4h58
